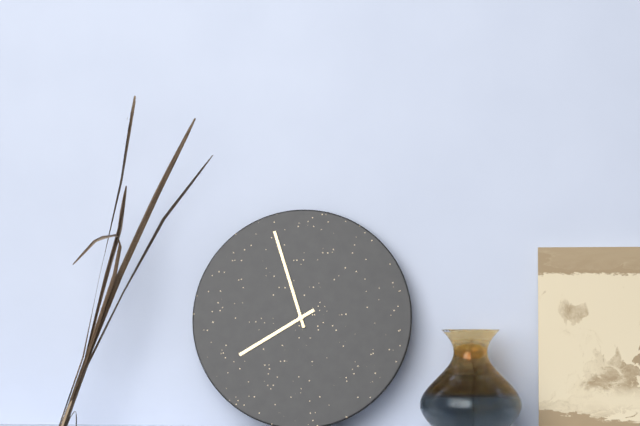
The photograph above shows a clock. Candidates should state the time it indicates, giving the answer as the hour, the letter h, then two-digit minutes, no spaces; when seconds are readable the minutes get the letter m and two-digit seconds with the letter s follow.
7h57
